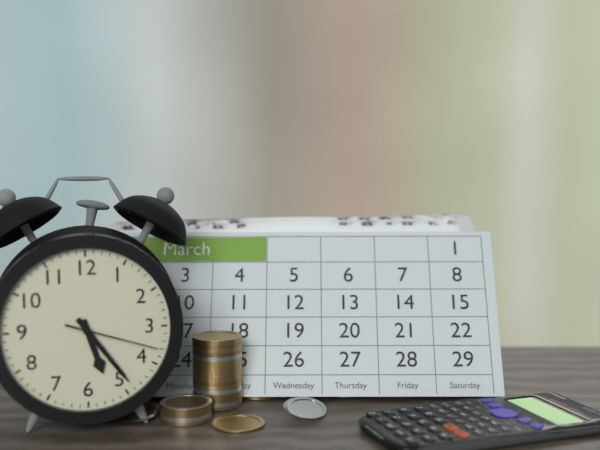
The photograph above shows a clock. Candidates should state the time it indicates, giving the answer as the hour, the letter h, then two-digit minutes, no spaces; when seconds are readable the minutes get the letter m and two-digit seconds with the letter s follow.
5h24m18s
